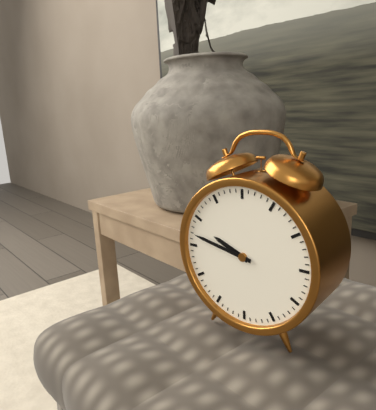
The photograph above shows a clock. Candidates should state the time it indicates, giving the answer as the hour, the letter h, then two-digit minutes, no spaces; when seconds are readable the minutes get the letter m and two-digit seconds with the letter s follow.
9h47
